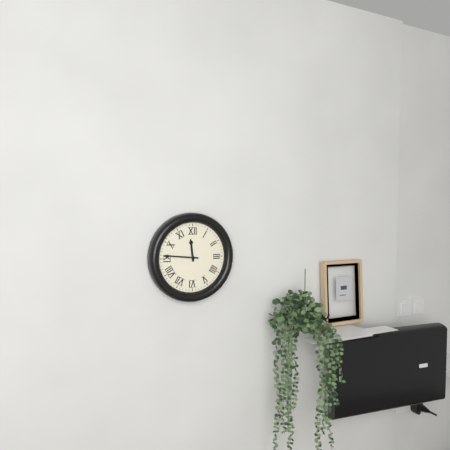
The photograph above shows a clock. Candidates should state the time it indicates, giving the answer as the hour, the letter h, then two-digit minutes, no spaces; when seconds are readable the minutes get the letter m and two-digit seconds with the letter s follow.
11h46
